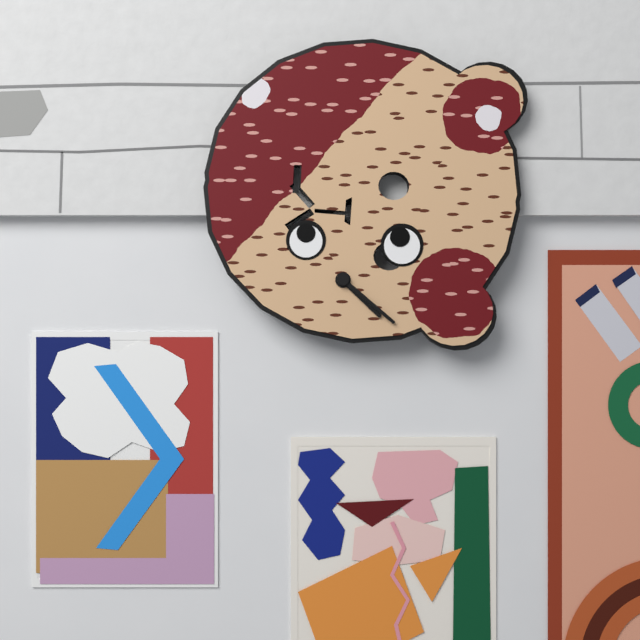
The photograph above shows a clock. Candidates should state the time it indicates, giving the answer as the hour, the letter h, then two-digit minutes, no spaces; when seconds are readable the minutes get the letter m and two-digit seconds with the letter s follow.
4h21
